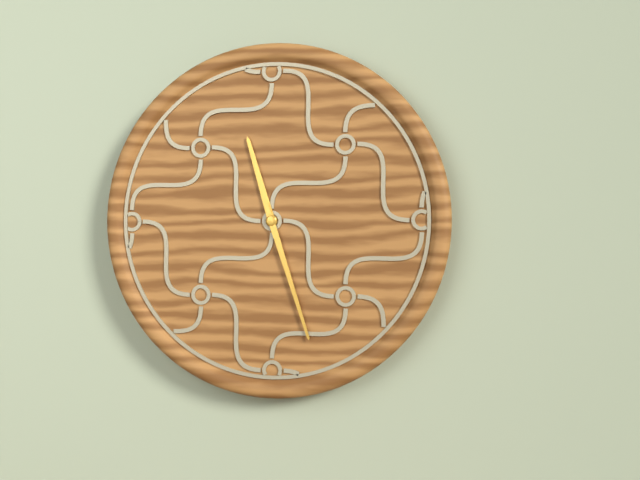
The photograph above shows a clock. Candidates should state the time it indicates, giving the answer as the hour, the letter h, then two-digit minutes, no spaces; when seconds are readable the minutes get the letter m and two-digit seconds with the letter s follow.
11h27
